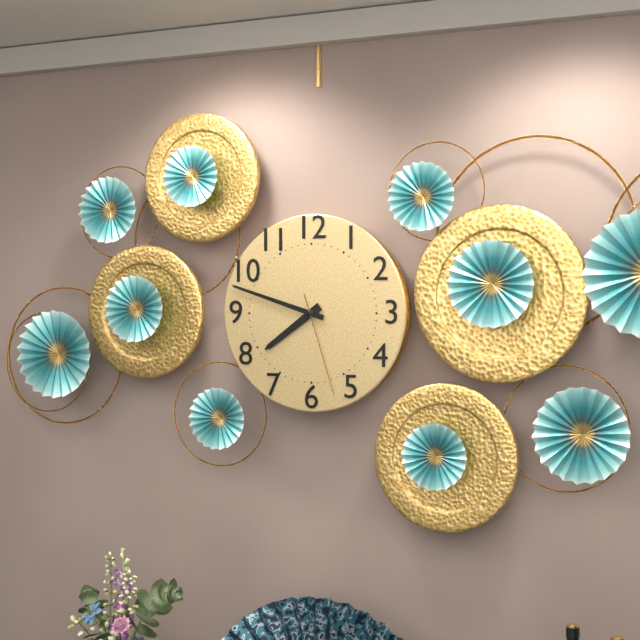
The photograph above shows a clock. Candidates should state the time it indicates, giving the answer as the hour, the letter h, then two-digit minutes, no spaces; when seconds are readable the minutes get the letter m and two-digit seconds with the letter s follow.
7h48m27s
